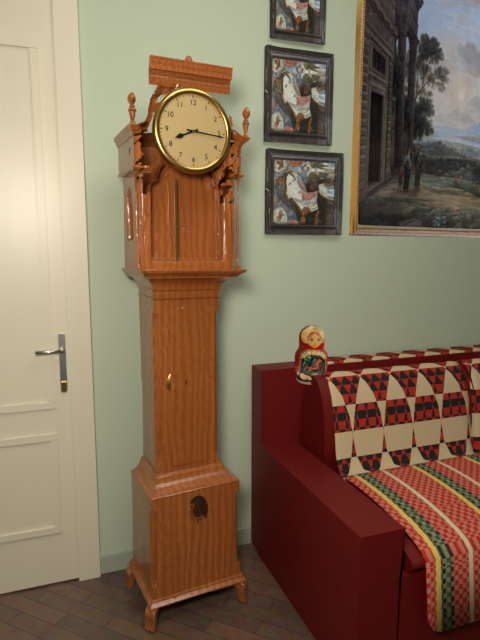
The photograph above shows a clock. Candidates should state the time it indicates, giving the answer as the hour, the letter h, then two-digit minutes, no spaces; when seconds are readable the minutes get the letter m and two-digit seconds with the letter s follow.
8h16
